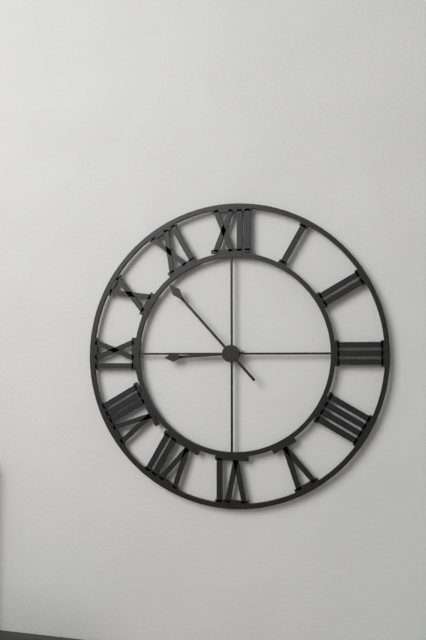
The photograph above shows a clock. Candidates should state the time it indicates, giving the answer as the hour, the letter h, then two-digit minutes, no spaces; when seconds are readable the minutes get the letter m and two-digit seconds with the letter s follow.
8h53
